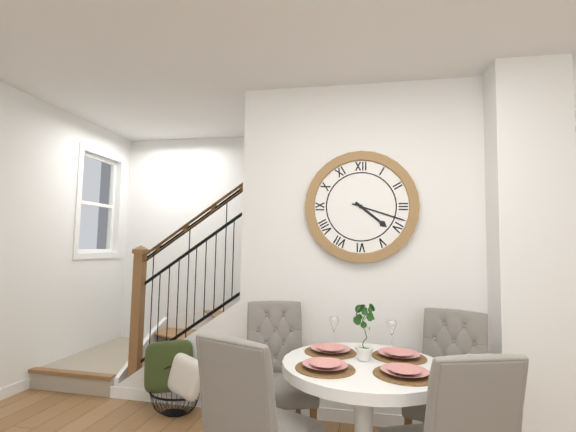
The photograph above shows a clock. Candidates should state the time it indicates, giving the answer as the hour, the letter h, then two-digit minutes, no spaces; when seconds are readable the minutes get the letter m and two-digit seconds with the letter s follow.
4h18
